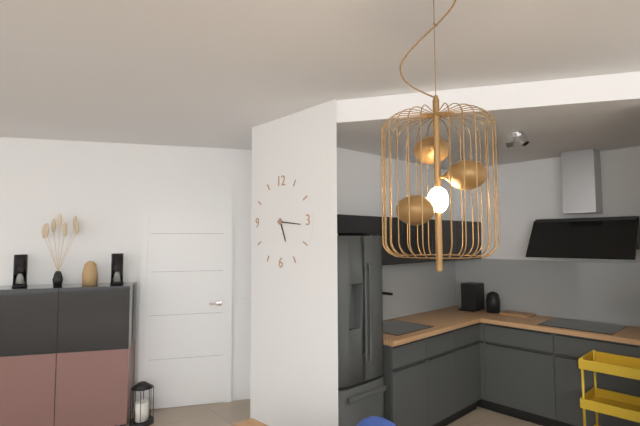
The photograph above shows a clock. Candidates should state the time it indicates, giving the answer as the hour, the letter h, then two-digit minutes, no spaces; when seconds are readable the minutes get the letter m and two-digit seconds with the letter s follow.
5h16
